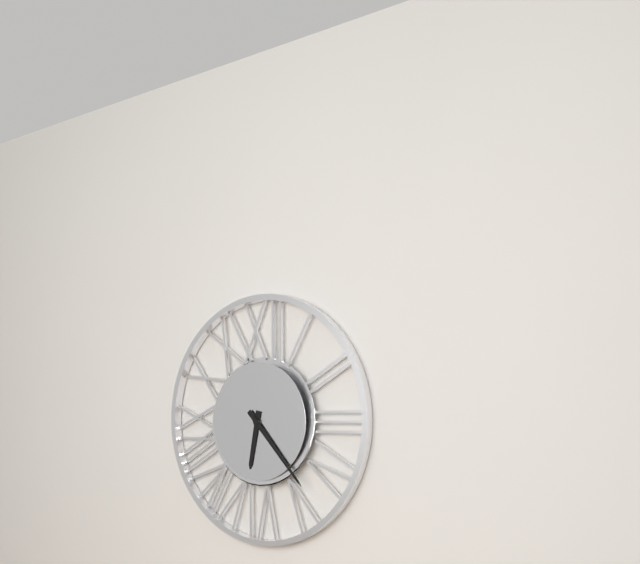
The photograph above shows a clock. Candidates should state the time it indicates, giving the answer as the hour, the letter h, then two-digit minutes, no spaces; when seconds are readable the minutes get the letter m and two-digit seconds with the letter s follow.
6h23
